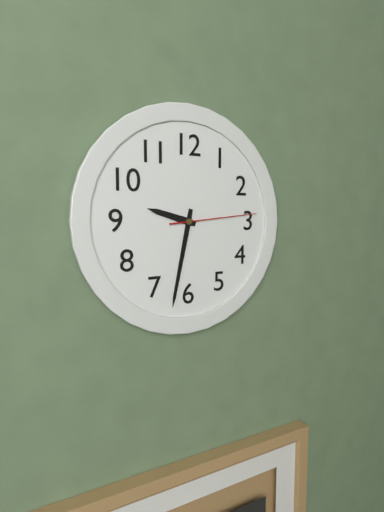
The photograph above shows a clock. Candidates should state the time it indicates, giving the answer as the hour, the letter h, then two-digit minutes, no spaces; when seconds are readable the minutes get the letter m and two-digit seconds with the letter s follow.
9h32m14s
